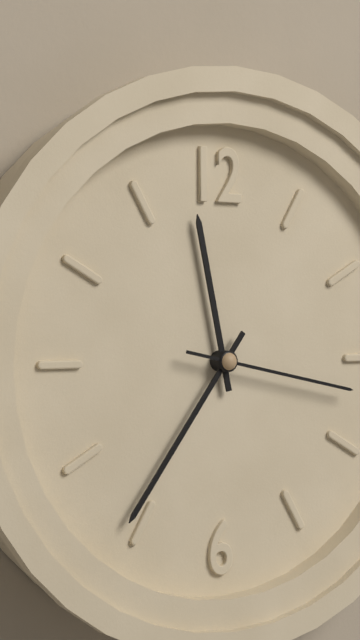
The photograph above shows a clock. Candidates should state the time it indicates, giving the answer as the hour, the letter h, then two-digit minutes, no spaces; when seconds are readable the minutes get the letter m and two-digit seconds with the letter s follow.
11h36m17s
